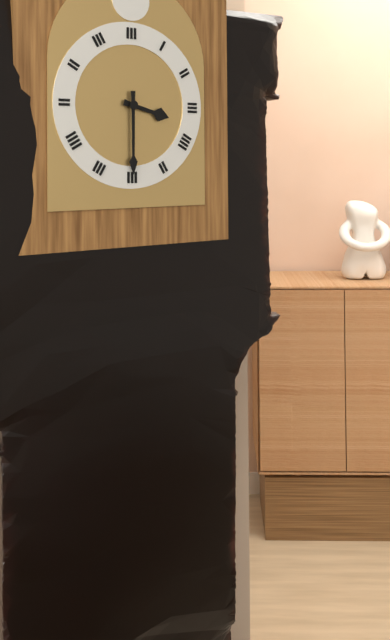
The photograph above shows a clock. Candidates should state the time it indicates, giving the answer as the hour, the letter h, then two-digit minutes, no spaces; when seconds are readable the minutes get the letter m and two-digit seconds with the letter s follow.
3h30
